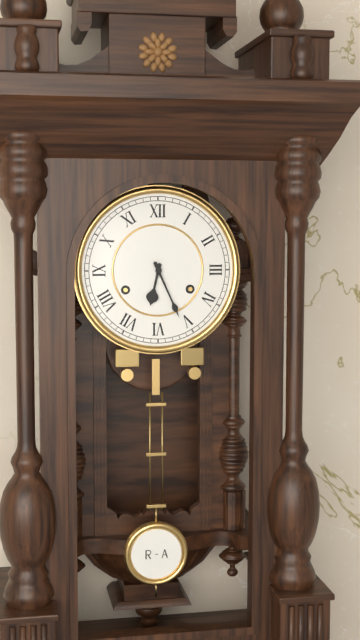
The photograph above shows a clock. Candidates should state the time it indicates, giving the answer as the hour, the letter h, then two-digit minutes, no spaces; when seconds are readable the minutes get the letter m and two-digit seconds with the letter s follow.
6h26
